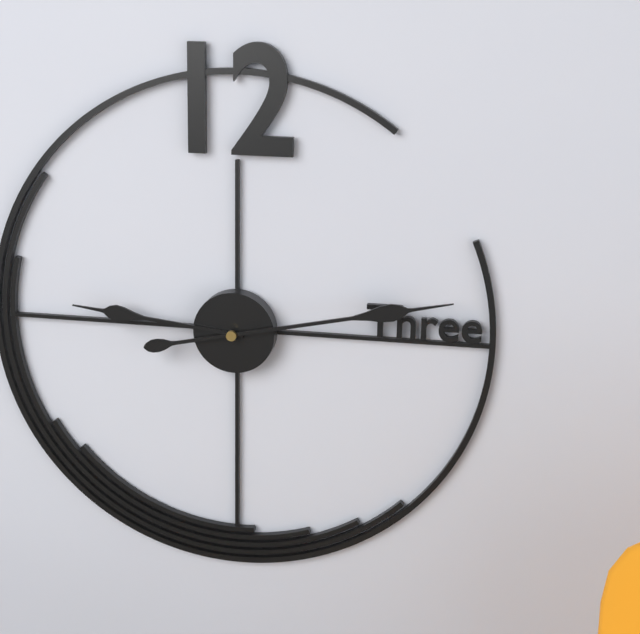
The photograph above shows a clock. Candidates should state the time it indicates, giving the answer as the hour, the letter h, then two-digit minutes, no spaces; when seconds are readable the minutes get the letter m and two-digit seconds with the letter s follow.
9h13
